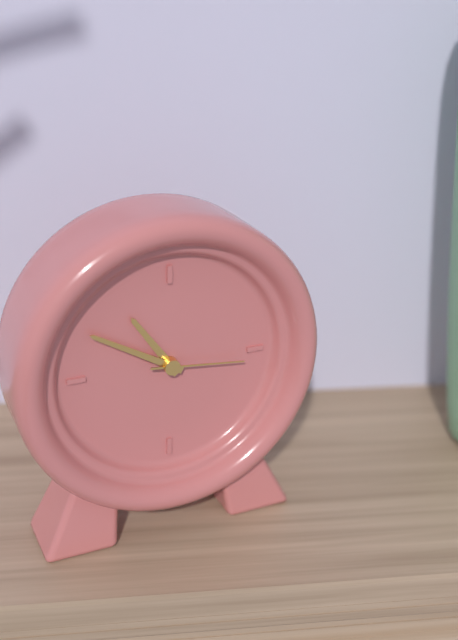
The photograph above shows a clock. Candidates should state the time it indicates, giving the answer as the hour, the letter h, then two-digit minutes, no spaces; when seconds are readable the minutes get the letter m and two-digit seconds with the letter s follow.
10h50m16s
